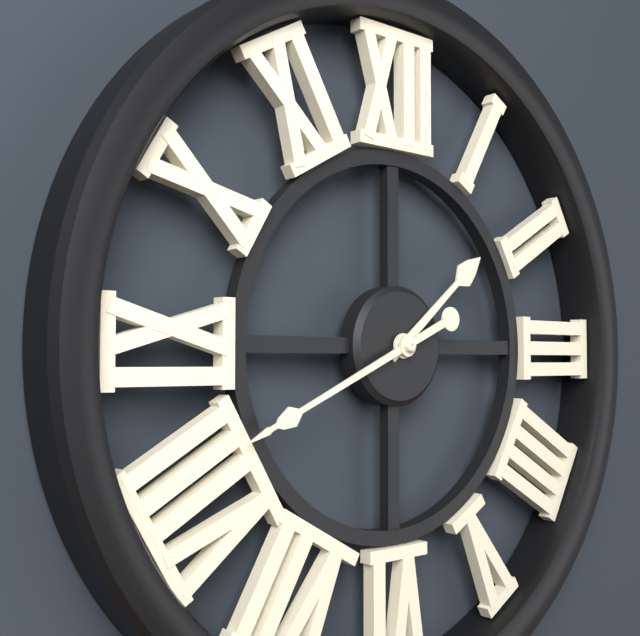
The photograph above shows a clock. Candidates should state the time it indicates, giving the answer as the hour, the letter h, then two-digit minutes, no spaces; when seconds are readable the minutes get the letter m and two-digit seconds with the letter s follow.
1h41
